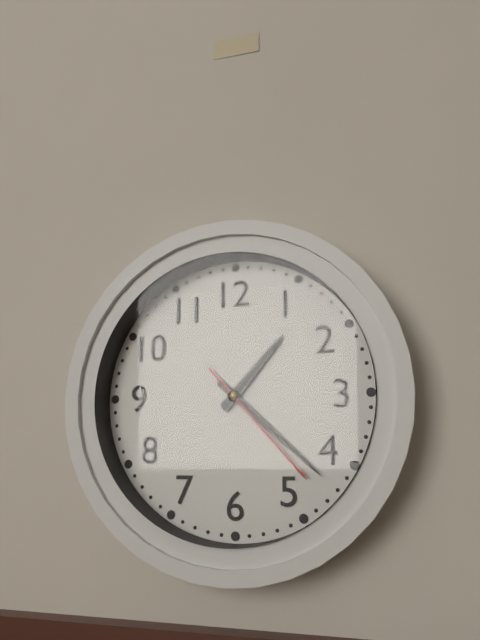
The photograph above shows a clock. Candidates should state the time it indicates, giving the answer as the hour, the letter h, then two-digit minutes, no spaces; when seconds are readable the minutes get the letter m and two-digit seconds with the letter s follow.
1h22m23s
